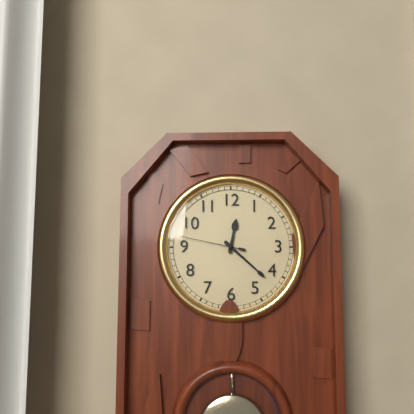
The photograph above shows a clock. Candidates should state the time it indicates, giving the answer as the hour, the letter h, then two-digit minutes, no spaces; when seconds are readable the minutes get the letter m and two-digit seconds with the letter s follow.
12h22m47s
